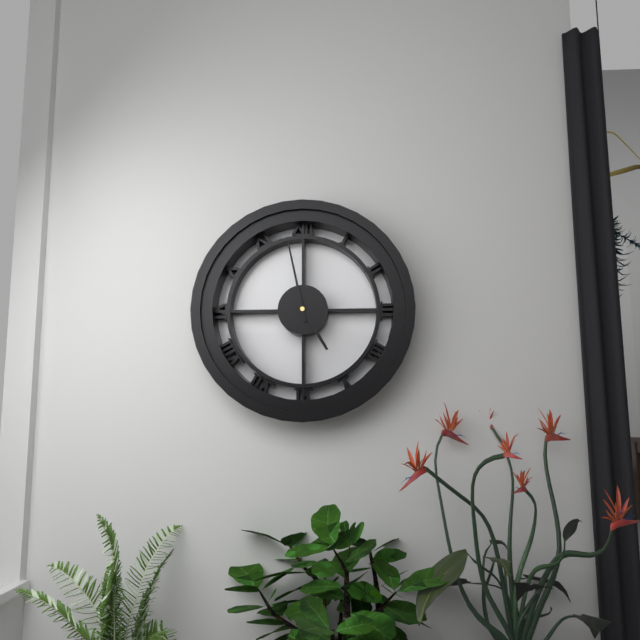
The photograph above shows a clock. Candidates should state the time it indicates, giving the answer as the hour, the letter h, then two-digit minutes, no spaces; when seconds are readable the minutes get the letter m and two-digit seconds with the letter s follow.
4h58
